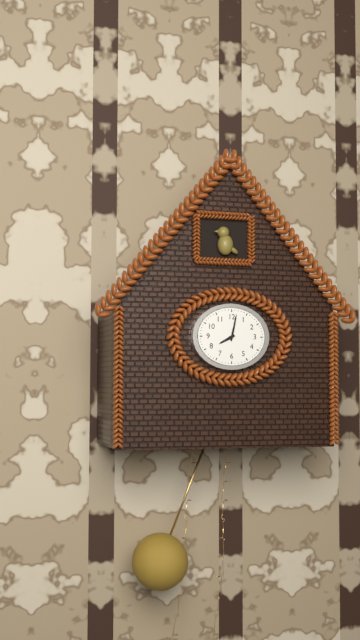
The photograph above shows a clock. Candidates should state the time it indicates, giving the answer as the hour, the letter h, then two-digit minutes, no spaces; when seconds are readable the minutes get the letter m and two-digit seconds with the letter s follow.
8h02
